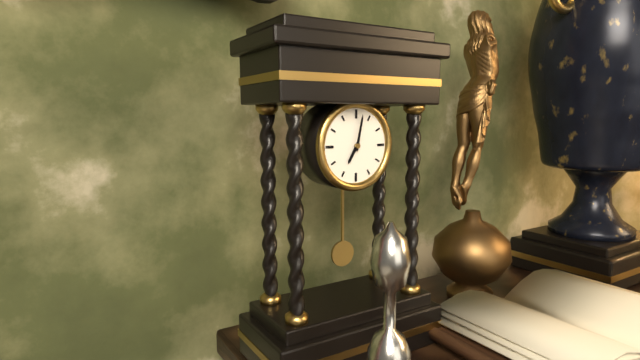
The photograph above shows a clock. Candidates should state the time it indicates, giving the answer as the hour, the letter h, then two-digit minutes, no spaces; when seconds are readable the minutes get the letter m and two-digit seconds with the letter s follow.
7h02
